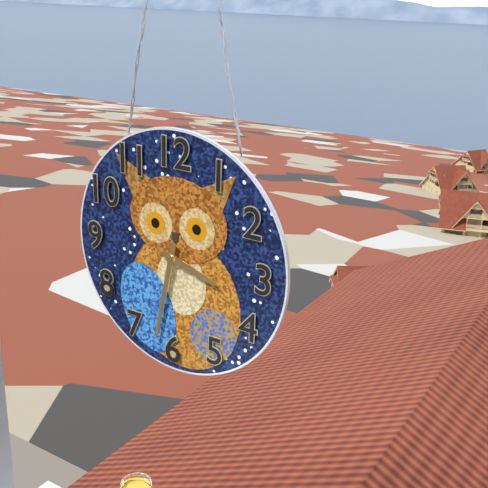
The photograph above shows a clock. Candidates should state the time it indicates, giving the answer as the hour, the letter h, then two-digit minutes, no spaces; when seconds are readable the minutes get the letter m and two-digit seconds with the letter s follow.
3h32
